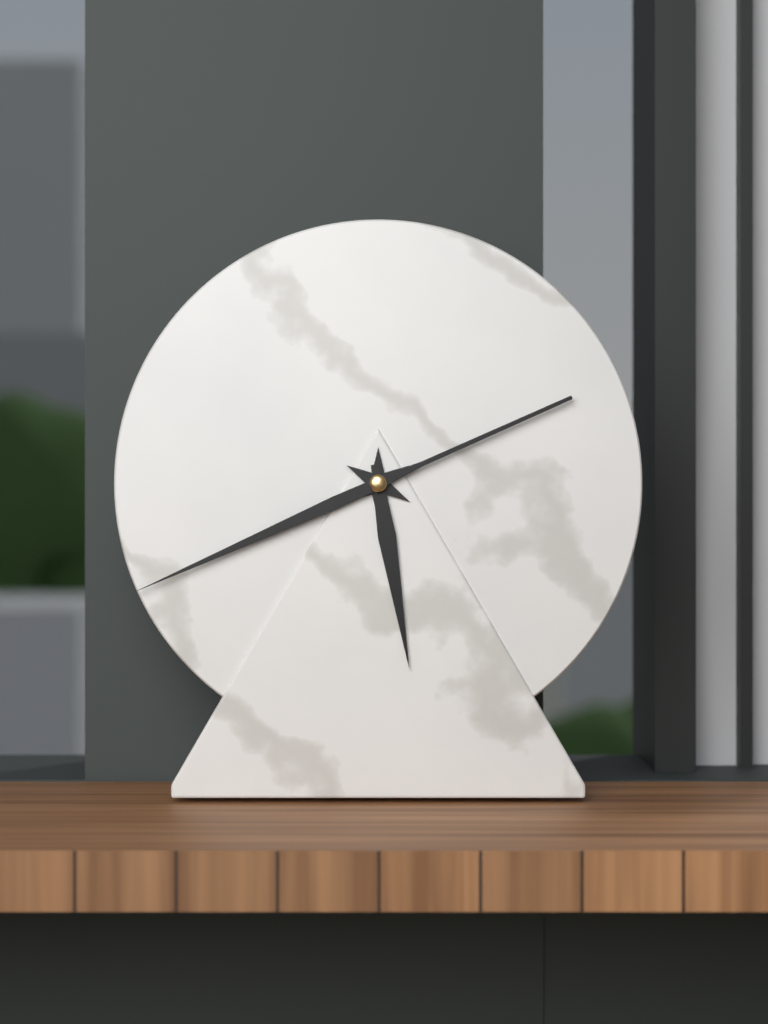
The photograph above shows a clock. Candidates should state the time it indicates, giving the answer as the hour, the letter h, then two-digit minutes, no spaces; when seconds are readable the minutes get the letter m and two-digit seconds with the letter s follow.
5h41
